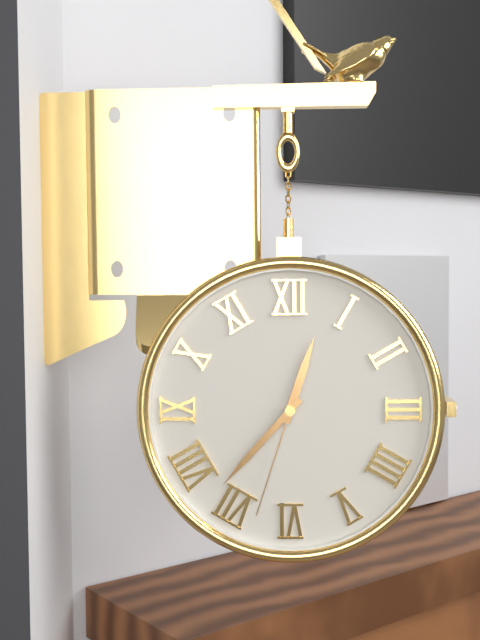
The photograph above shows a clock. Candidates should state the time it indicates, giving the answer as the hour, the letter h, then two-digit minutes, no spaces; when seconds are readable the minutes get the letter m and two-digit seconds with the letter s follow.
12h37m33s
